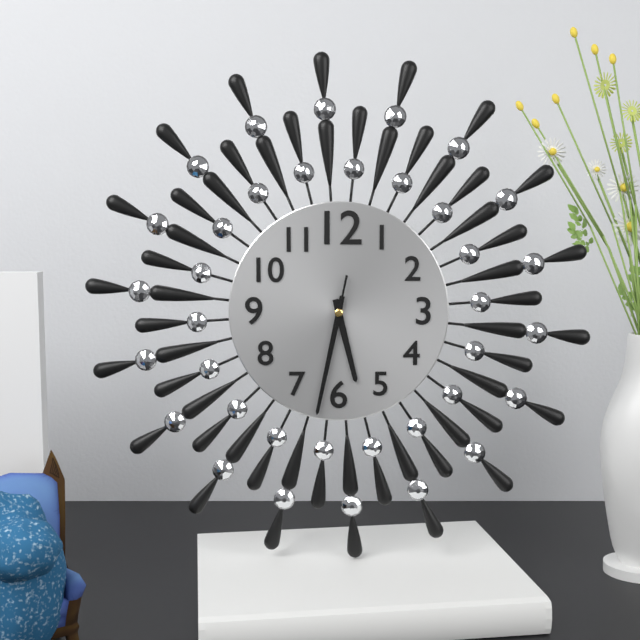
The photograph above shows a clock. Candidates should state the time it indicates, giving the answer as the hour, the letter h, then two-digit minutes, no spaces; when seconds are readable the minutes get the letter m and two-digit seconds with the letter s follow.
5h32m32s
